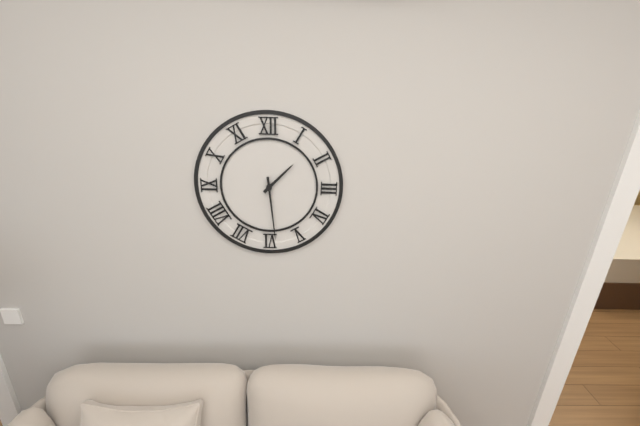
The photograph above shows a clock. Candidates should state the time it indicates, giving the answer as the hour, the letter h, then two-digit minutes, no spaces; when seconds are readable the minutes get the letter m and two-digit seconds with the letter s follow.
1h29
